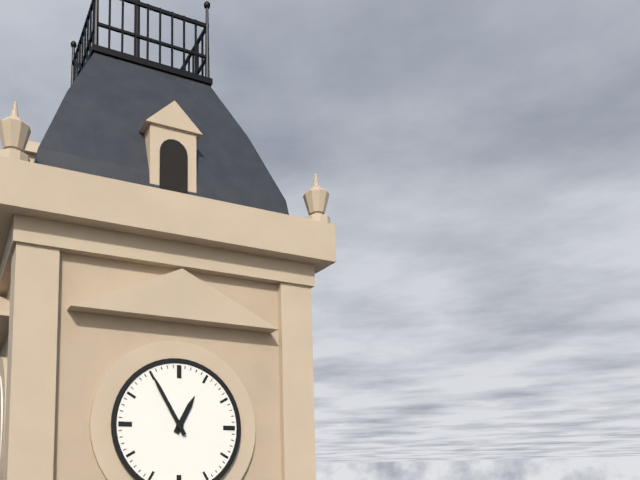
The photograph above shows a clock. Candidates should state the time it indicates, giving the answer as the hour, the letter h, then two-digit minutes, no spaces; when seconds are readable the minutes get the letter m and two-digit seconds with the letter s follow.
12h55
